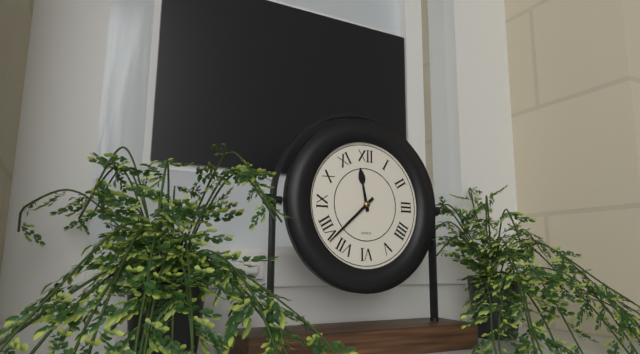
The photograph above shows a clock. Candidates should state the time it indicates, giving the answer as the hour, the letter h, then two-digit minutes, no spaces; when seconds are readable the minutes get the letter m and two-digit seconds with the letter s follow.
11h38
